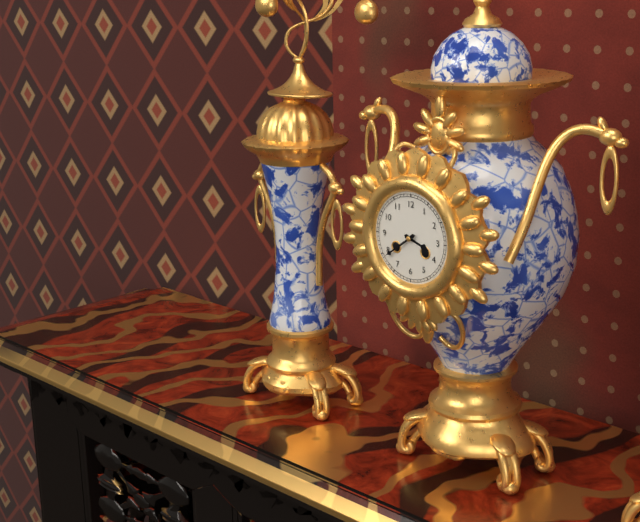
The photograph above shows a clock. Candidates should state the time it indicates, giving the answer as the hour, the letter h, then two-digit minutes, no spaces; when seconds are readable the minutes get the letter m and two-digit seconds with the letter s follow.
3h39
